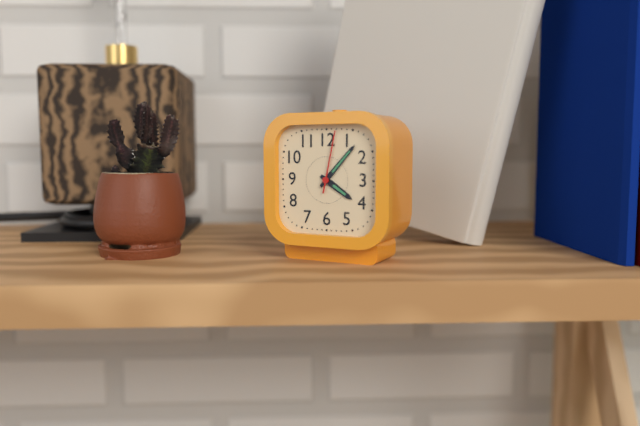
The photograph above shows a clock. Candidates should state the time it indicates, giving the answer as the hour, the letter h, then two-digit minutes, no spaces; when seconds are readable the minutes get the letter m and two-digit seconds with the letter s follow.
4h07m02s
